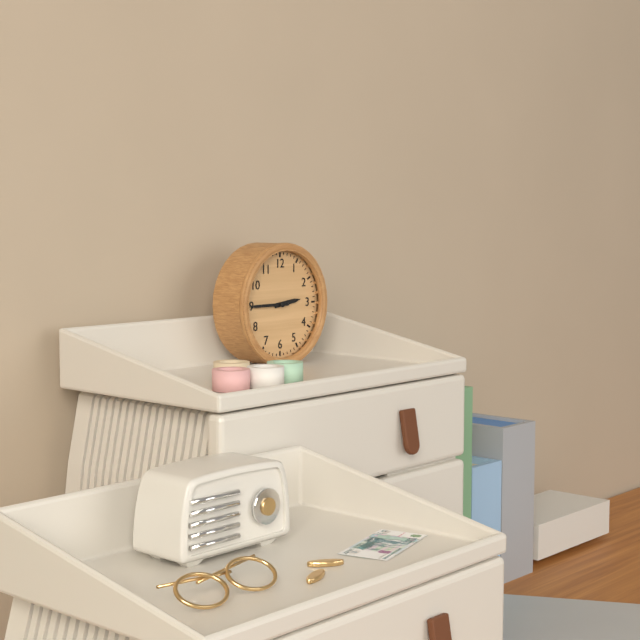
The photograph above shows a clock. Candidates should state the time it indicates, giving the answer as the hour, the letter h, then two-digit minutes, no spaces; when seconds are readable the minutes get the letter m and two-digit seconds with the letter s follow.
2h45
